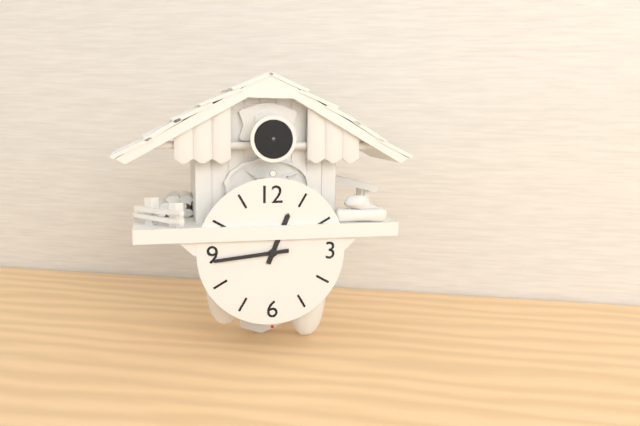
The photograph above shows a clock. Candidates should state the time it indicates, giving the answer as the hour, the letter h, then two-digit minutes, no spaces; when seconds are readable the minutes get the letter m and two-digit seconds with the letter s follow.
12h44
